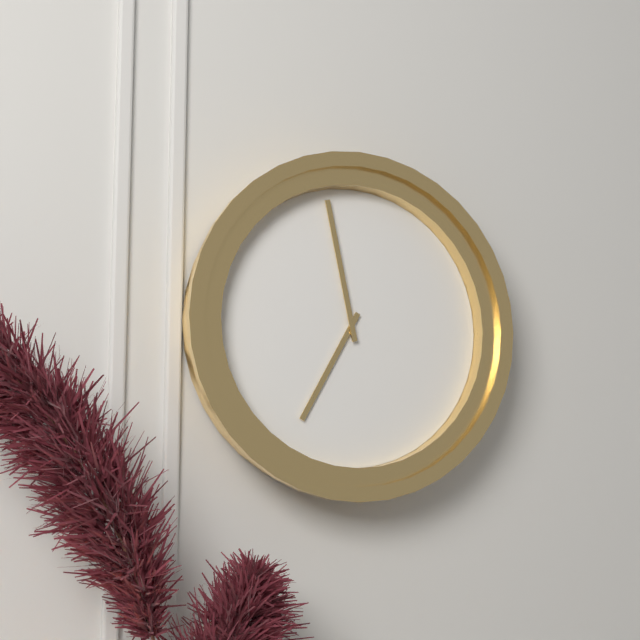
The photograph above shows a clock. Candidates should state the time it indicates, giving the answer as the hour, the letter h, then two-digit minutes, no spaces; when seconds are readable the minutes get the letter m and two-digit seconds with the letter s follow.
6h58
